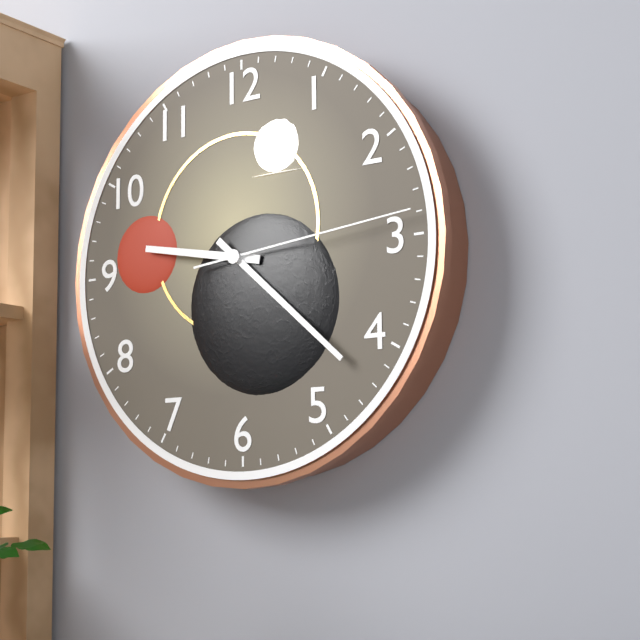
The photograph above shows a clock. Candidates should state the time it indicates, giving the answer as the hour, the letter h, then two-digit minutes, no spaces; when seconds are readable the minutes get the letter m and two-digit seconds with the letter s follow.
9h22m14s
